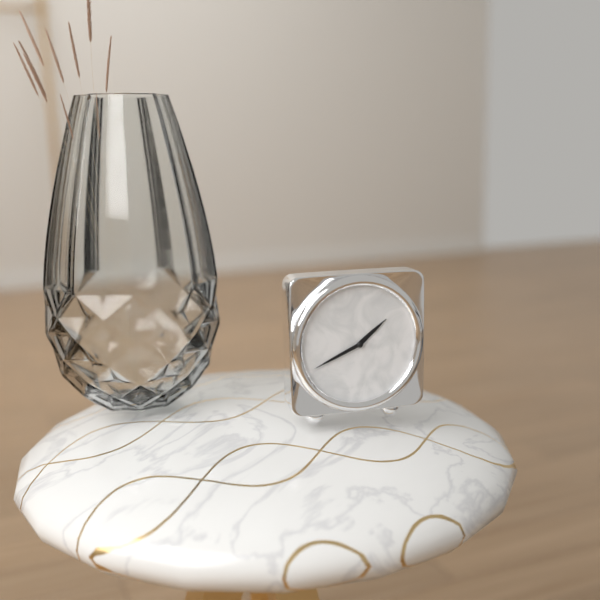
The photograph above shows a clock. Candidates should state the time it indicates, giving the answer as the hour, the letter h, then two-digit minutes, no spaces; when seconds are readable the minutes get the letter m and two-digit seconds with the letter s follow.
1h41
